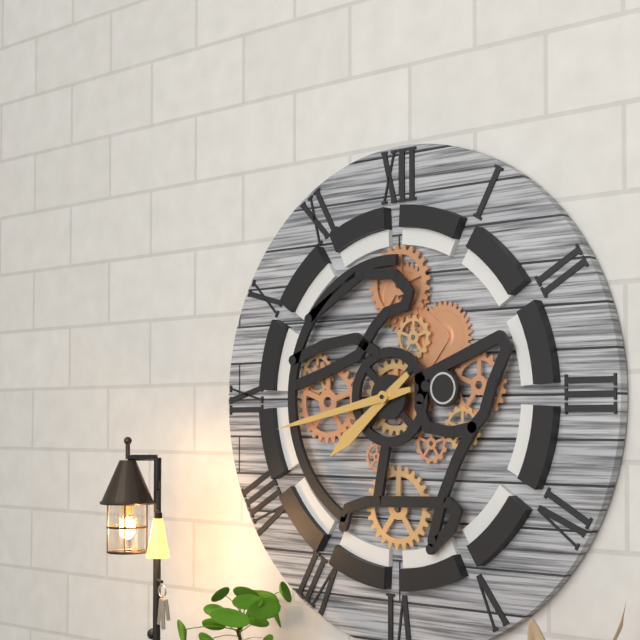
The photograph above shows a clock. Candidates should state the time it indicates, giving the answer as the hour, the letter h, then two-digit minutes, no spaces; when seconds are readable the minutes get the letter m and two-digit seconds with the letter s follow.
7h43
